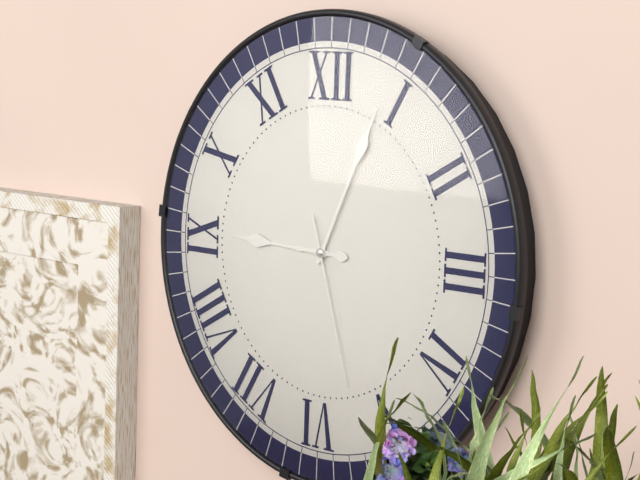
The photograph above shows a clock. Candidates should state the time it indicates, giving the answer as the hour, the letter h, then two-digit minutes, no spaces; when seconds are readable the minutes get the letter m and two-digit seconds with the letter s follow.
9h04m27s
